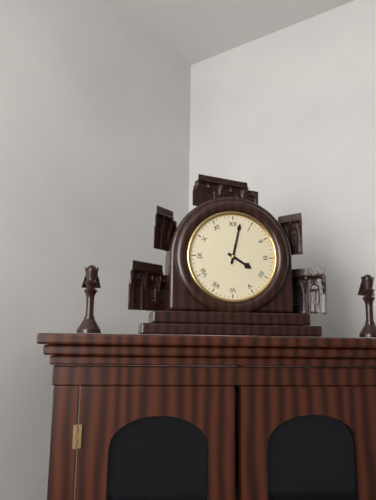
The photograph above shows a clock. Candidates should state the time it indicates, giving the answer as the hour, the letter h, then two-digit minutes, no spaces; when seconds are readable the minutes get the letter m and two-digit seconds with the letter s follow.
4h02
